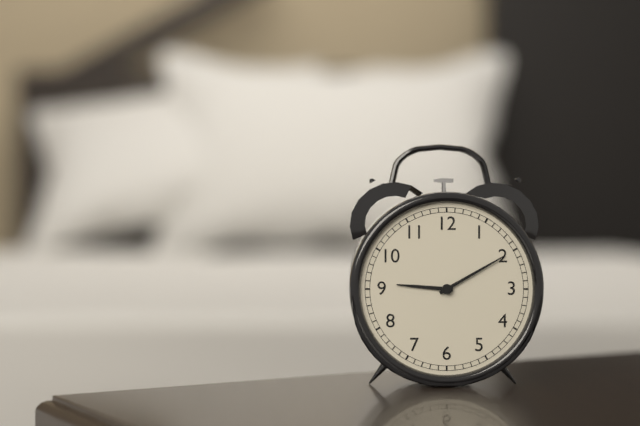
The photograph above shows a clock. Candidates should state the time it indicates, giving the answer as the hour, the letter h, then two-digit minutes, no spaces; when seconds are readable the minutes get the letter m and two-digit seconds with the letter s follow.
9h10
